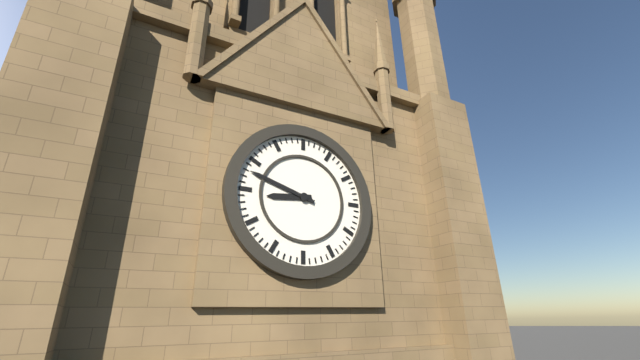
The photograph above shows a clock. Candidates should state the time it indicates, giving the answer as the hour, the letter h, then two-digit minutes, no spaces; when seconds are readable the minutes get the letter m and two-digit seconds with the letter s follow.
8h48
